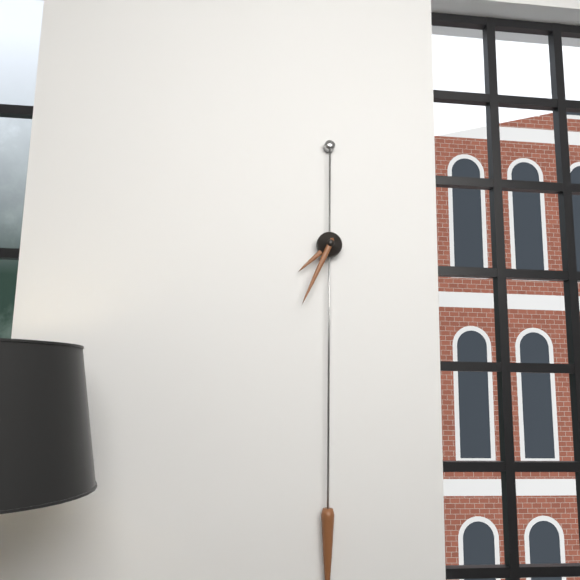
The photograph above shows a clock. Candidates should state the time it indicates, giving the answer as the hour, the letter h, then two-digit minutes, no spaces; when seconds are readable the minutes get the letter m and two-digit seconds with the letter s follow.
7h34
